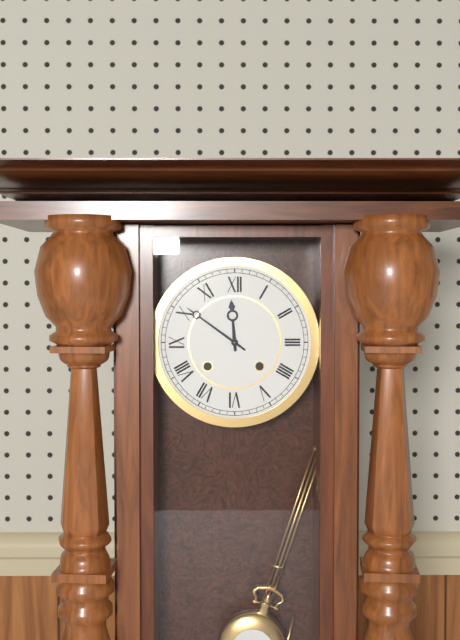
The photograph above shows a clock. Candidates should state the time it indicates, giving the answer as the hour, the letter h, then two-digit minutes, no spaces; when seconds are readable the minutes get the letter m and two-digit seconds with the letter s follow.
11h51
